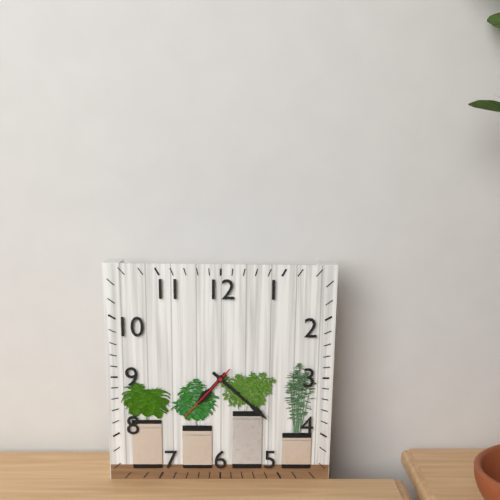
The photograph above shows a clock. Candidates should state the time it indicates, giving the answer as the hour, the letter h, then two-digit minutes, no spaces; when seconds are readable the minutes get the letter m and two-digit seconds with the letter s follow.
7h22m37s
